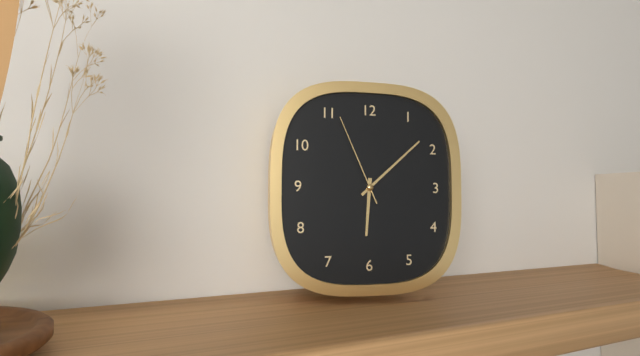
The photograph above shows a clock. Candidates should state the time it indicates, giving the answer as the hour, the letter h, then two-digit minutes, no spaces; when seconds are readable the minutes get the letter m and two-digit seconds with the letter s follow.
6h08m56s
